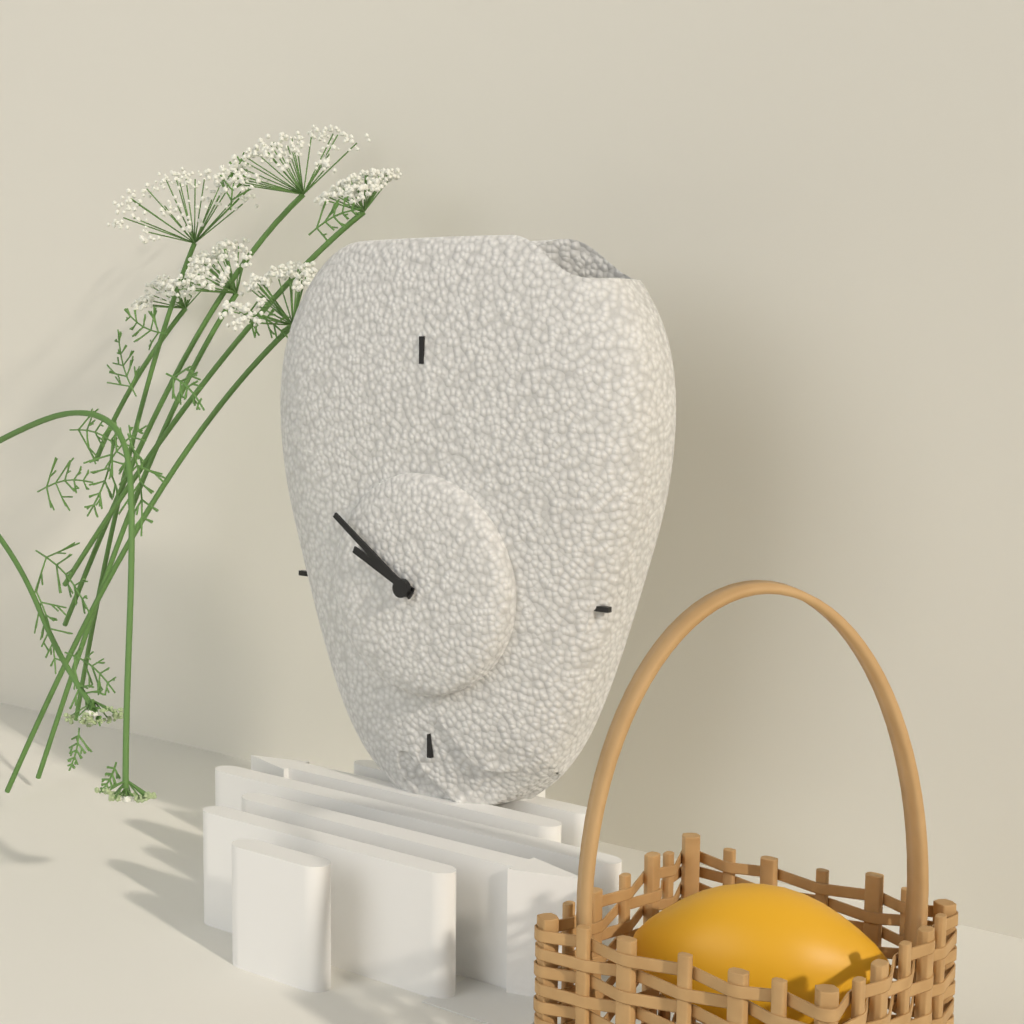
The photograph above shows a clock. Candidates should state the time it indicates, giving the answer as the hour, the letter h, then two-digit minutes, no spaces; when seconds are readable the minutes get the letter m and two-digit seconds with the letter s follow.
9h51
